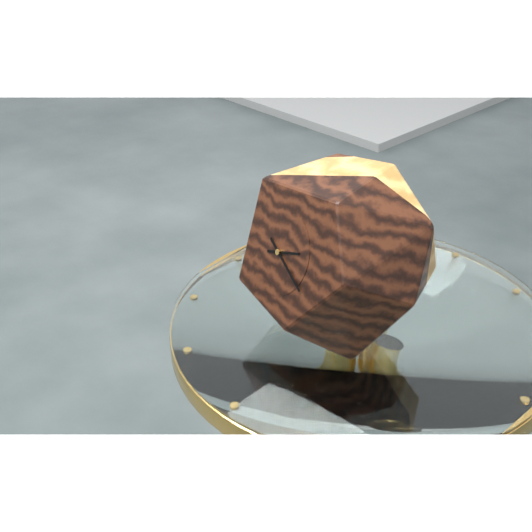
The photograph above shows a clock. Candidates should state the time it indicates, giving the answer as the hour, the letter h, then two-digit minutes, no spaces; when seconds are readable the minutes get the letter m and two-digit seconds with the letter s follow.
2h19
